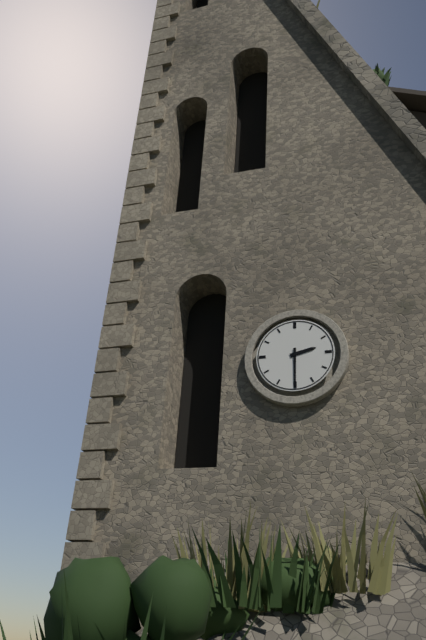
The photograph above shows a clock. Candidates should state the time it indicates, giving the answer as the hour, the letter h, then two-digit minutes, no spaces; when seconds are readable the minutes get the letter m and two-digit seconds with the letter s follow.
2h30
